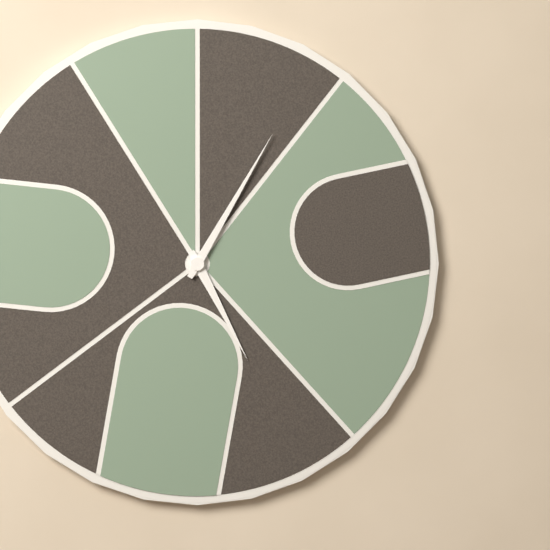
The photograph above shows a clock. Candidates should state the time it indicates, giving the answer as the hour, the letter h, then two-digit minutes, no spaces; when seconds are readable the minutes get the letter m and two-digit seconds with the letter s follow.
5h05
